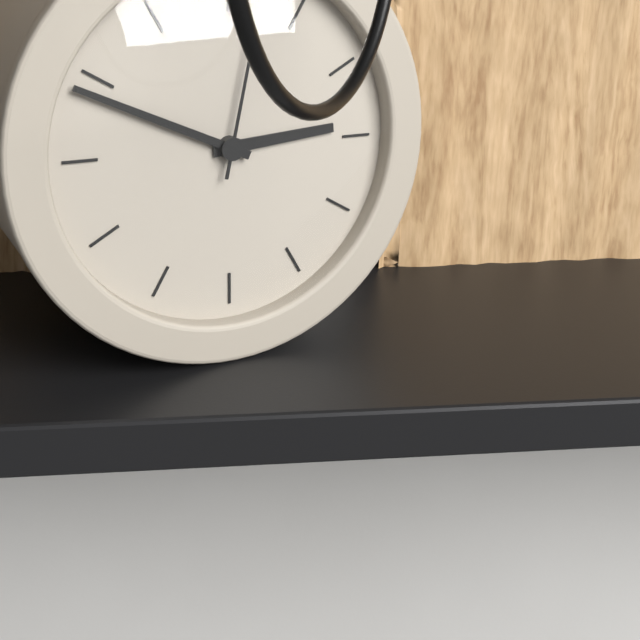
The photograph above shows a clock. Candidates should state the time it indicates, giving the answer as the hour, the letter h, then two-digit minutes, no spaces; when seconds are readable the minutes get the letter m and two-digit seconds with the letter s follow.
2h49m02s
